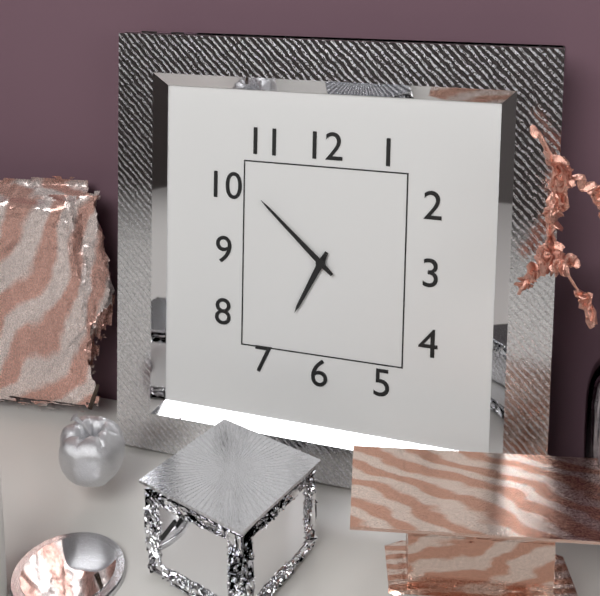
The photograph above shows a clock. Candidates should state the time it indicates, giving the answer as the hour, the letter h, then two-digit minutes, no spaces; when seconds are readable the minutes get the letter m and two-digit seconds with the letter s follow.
6h52
